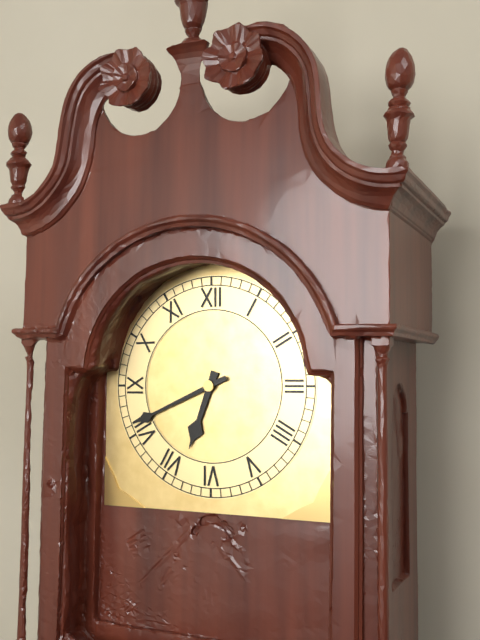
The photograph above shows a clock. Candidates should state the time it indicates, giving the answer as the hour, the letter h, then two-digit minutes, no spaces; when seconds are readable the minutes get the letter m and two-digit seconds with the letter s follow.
6h41
